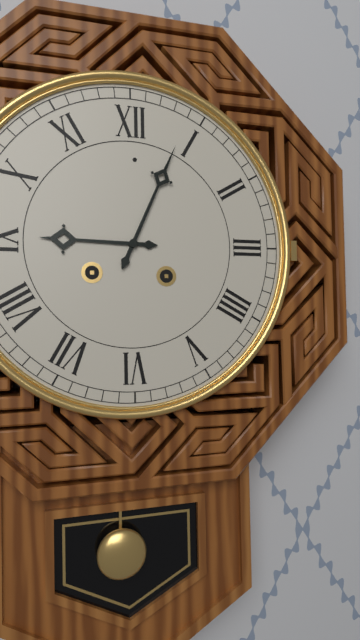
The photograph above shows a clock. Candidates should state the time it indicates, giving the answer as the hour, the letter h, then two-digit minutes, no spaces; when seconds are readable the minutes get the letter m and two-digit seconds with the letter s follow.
9h04
